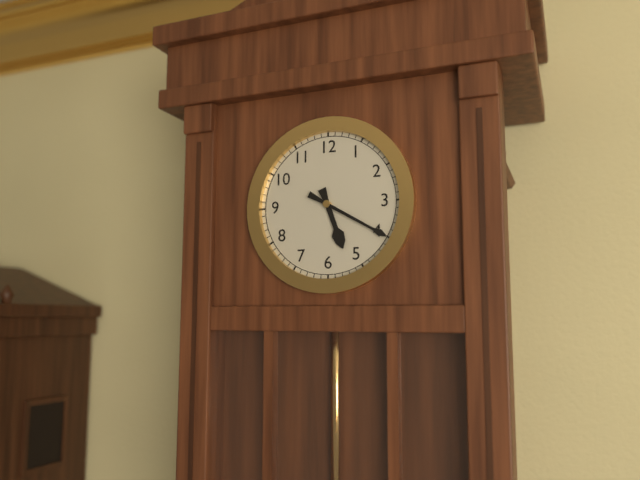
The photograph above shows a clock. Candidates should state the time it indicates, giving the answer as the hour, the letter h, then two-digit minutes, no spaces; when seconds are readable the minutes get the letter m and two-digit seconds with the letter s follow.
5h20
